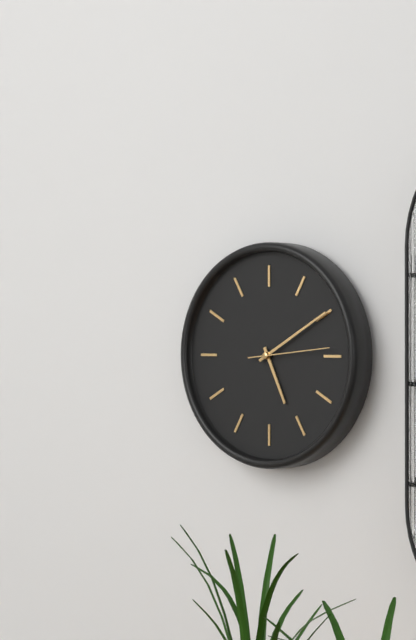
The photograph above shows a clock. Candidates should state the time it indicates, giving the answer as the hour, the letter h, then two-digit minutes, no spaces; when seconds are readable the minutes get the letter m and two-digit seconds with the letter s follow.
5h10m14s
